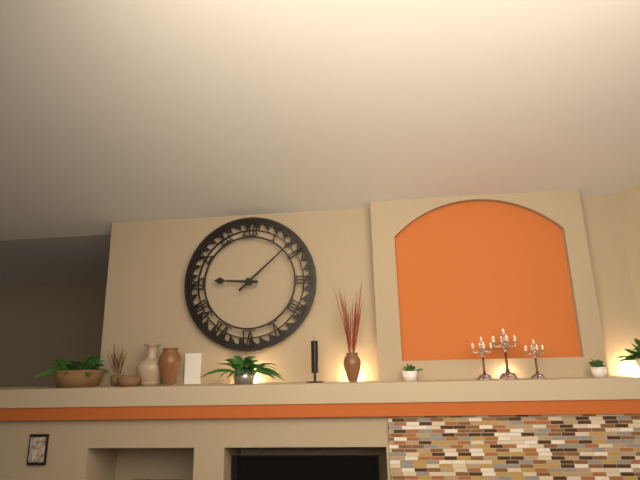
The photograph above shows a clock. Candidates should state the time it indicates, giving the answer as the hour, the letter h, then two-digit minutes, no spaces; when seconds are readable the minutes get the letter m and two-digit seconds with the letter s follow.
9h08
